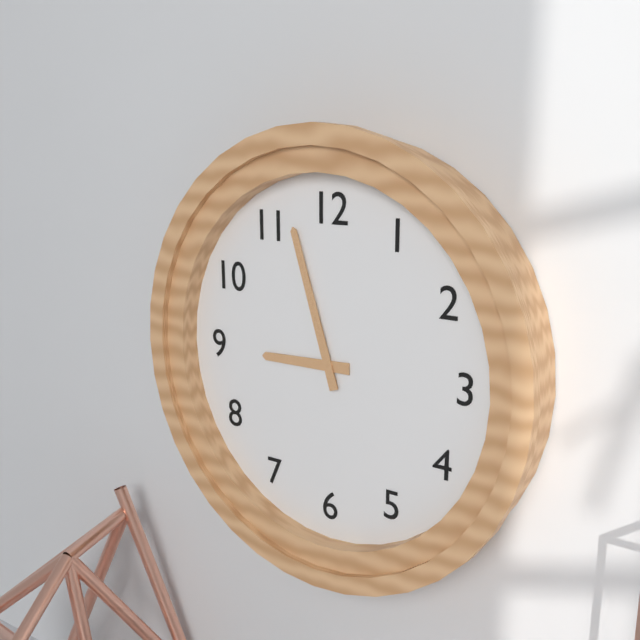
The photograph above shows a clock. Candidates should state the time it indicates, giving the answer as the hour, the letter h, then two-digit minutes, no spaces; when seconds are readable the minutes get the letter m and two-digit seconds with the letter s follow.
8h57
